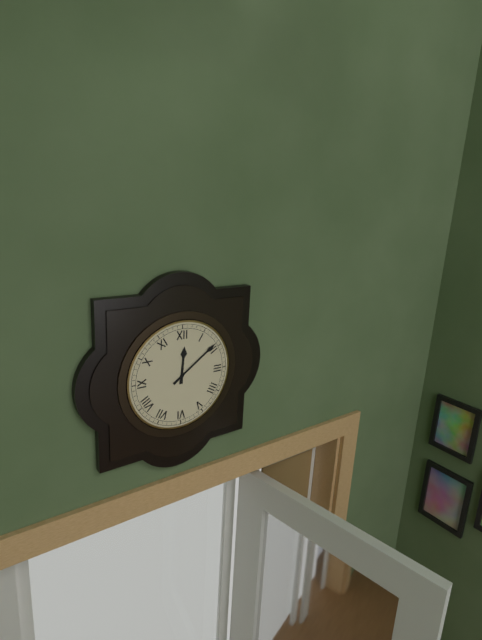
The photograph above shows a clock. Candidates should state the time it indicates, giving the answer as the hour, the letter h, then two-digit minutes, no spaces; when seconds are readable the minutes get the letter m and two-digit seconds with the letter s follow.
12h09
